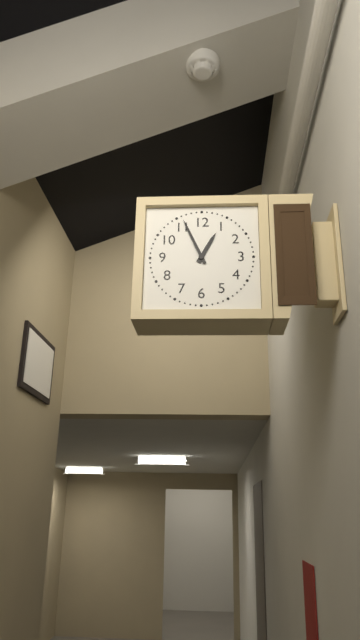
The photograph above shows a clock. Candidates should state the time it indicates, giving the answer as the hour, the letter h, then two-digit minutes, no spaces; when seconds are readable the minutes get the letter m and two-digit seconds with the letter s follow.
12h56
